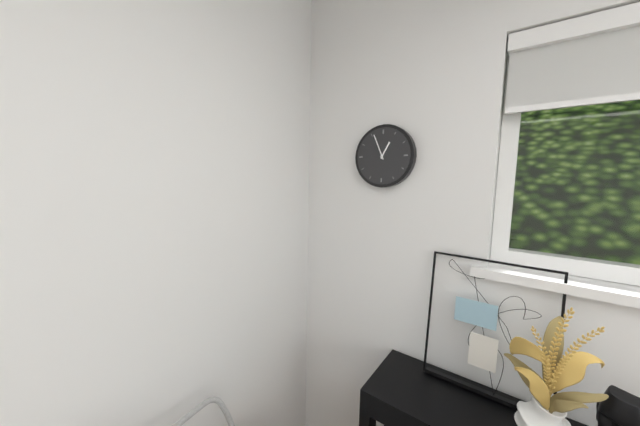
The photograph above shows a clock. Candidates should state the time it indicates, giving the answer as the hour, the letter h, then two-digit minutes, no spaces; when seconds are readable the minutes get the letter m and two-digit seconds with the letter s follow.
12h56
